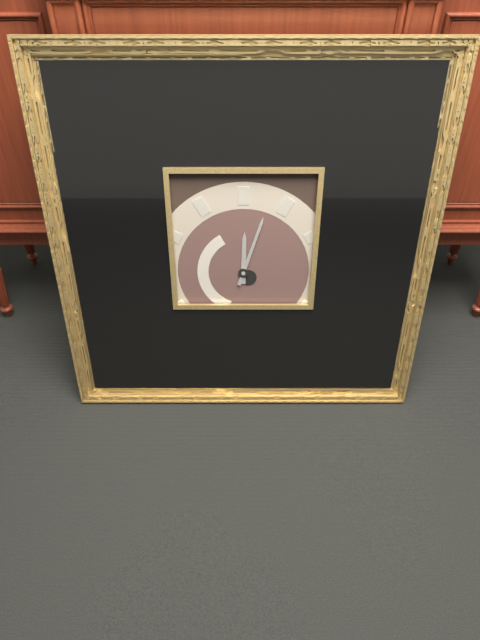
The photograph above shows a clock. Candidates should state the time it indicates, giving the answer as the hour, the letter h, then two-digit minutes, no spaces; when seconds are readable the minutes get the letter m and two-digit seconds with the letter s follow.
12h03
